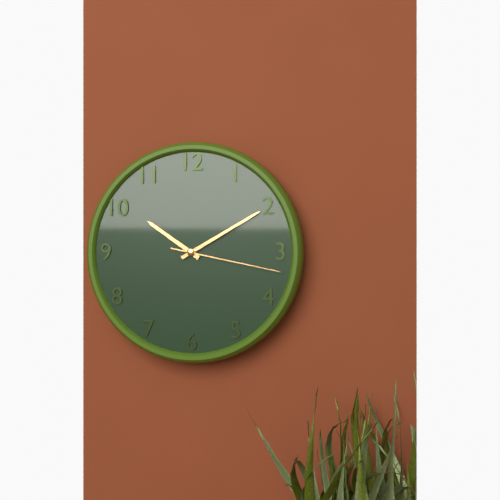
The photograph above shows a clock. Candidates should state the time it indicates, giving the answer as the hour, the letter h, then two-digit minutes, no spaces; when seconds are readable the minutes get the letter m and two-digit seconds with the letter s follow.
10h10m17s
